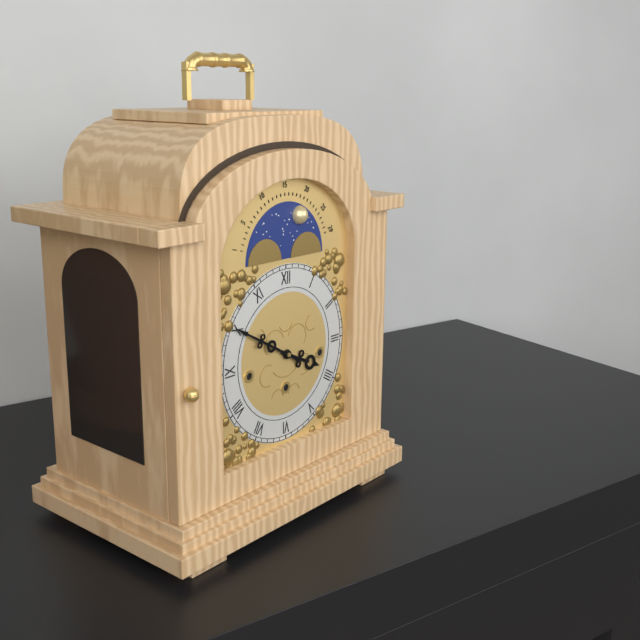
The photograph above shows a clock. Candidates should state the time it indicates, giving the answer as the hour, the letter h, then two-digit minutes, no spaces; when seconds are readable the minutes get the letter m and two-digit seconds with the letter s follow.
3h50
